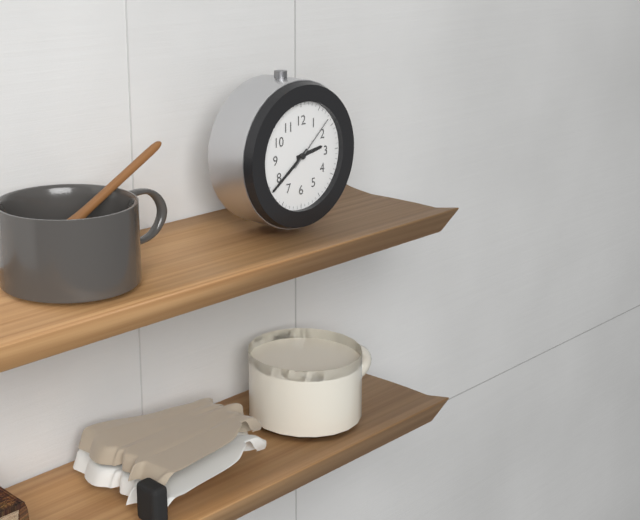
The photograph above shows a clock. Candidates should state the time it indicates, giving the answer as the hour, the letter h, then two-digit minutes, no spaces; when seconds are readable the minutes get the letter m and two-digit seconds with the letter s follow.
2h39m08s
